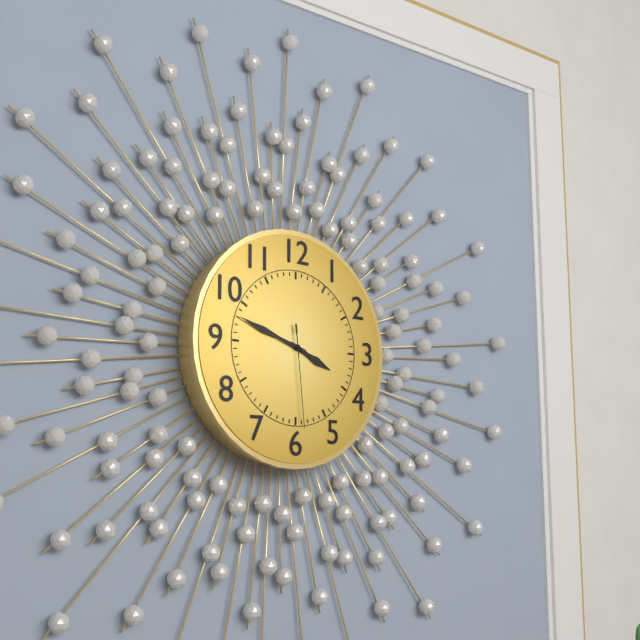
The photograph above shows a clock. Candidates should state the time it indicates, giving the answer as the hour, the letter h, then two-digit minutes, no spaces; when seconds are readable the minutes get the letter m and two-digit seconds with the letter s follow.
3h48m29s
